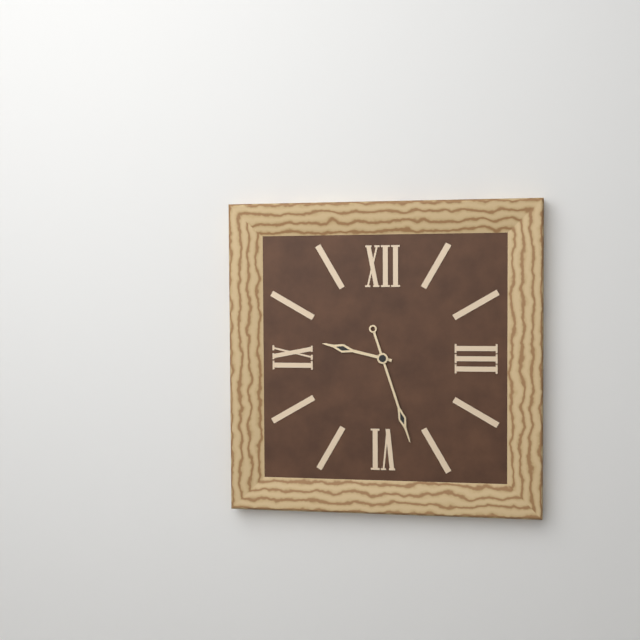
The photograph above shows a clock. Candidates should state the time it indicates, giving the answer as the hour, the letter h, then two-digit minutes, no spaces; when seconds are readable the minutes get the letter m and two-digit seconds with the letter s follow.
9h27
